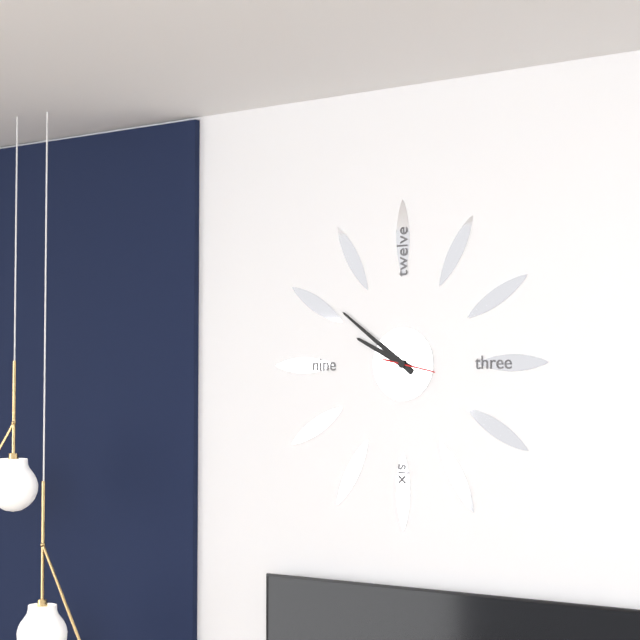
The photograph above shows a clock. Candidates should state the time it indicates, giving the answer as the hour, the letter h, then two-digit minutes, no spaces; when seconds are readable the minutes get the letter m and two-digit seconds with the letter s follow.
9h51
